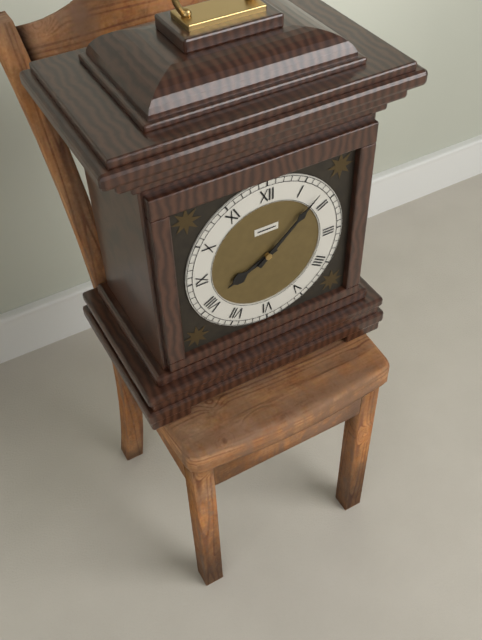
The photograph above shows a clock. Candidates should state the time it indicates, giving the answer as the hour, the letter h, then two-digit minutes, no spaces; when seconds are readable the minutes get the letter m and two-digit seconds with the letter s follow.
8h08
